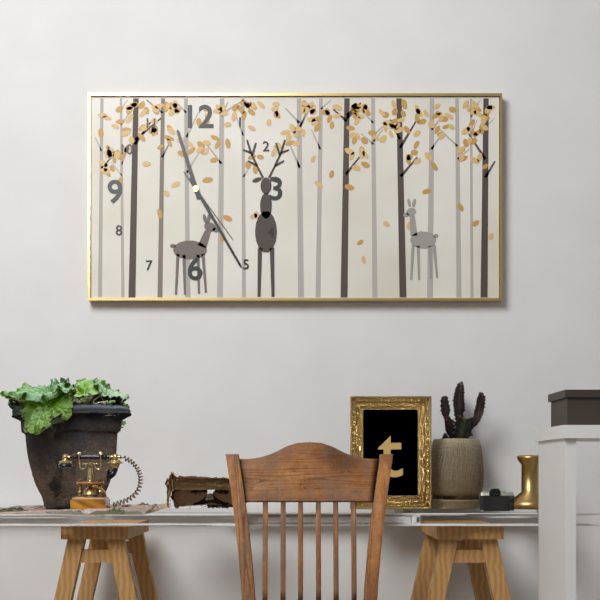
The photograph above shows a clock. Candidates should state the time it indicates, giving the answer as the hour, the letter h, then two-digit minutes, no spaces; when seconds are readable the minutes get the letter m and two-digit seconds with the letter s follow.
11h25m24s
